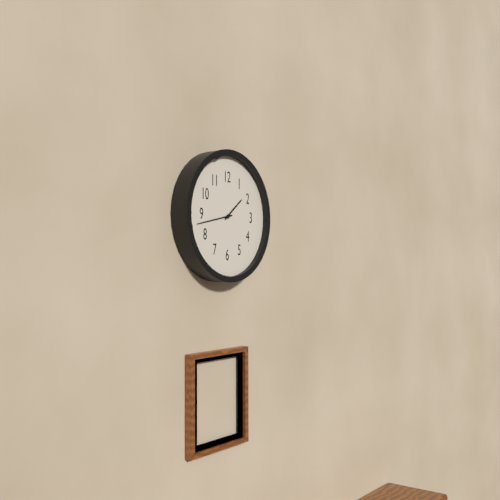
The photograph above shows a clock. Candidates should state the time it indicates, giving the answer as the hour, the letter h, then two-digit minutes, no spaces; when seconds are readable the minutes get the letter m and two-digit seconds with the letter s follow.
1h43
